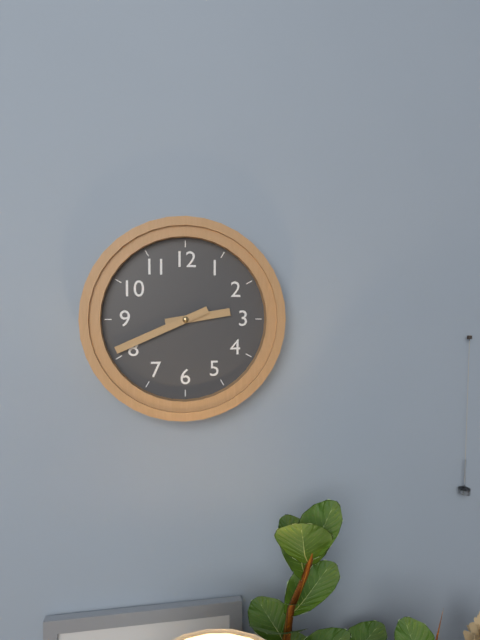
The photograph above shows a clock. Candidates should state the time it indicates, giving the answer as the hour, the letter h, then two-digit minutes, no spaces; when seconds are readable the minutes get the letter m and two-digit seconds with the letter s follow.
2h41
